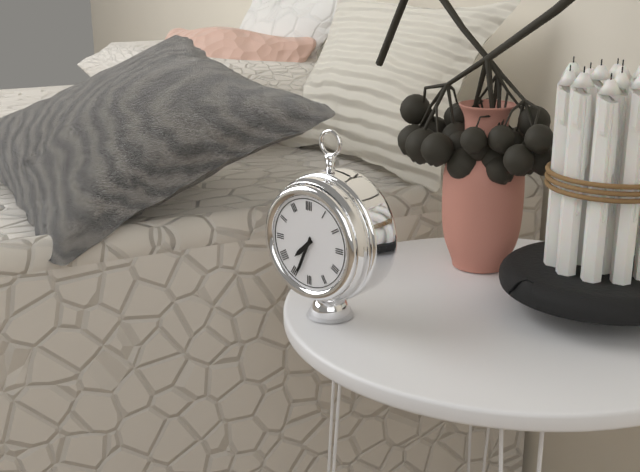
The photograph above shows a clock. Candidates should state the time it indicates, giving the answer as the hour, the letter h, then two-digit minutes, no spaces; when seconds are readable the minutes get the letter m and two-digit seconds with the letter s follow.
7h34
